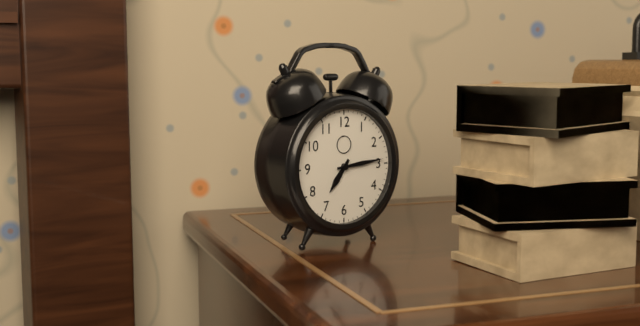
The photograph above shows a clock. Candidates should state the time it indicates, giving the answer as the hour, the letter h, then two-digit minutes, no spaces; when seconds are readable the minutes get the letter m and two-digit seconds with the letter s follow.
7h14
